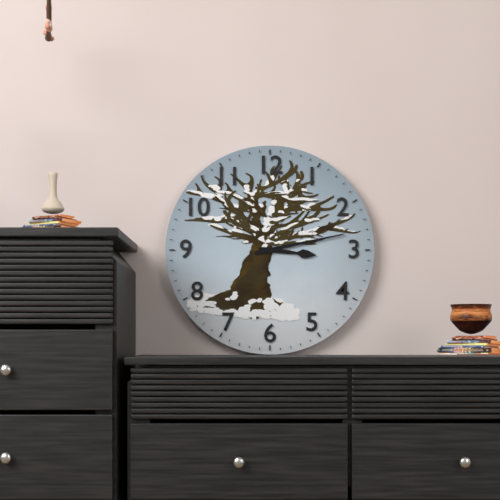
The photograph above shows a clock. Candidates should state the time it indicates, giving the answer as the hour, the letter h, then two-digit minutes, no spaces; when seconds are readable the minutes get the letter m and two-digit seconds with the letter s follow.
3h13
